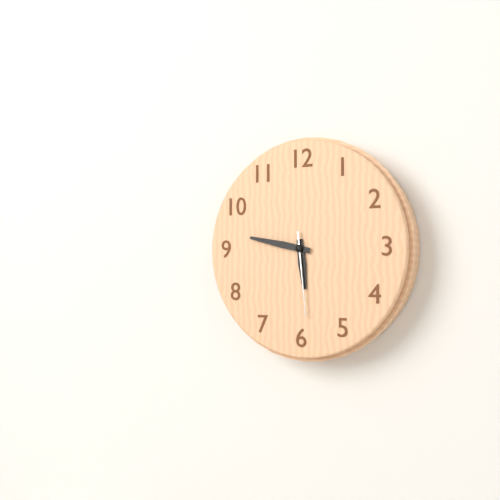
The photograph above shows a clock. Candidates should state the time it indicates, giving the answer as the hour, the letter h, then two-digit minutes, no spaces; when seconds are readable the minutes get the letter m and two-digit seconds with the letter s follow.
5h47m29s
